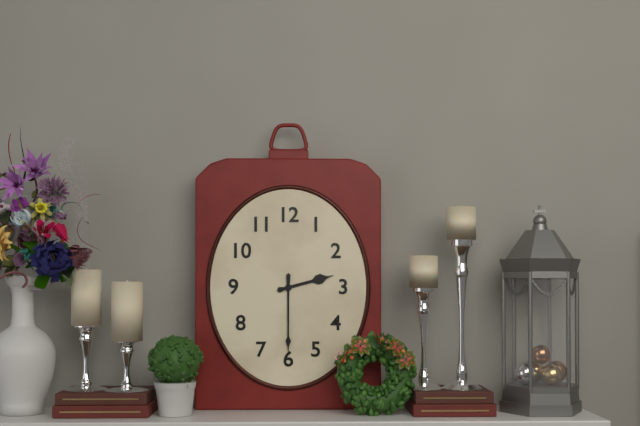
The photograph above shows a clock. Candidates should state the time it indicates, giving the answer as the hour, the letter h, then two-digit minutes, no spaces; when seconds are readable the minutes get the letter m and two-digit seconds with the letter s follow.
2h30
